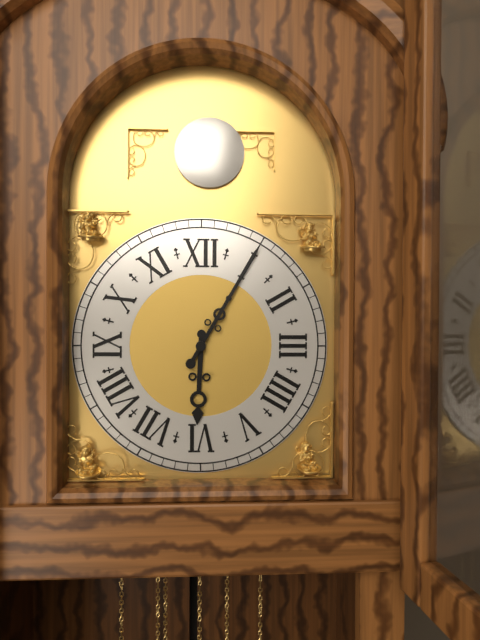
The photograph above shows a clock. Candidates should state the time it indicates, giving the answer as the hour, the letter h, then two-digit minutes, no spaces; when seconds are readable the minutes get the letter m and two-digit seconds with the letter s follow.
6h05
